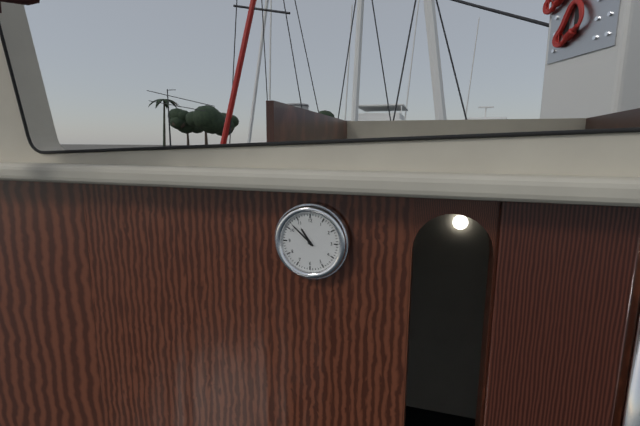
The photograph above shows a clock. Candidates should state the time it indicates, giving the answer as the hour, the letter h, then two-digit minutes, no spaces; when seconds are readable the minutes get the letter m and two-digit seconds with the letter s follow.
10h52
